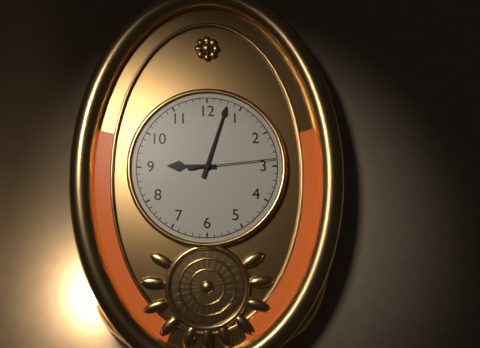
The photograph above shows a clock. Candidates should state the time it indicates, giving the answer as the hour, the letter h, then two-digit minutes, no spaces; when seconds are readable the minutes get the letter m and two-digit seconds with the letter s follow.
9h03m14s
